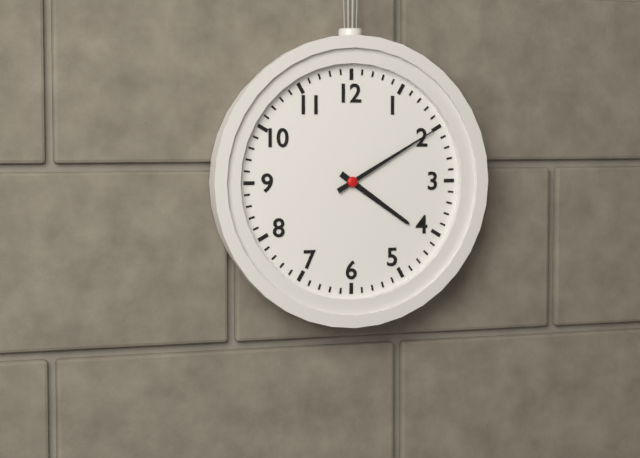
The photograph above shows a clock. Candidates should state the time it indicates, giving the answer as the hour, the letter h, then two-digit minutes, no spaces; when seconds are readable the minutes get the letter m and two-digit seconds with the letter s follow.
4h10
